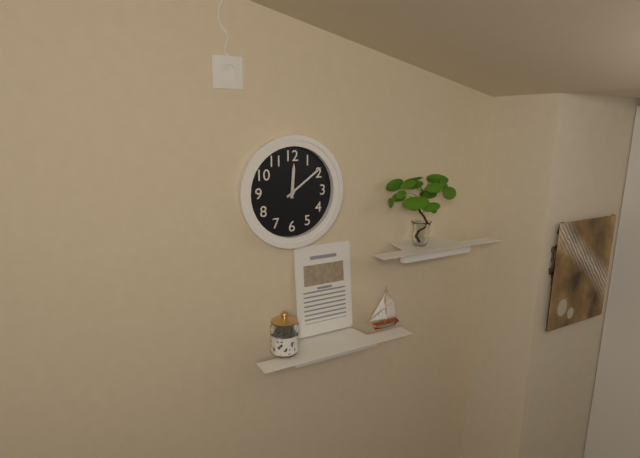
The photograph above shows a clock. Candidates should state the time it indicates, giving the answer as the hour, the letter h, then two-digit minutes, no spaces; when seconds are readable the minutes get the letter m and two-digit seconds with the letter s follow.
12h09
